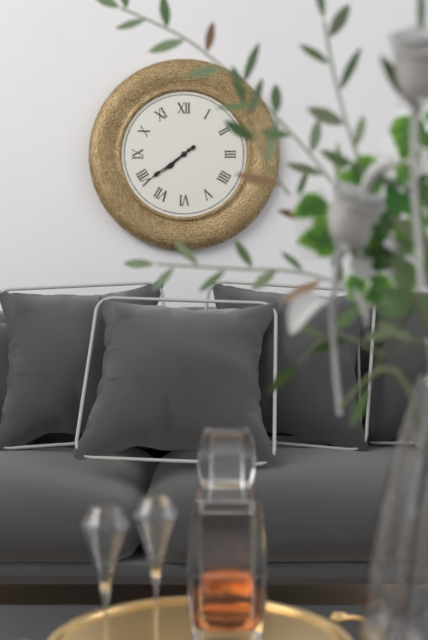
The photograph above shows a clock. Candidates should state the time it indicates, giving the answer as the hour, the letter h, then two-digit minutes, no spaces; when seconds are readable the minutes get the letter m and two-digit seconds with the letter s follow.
7h39
